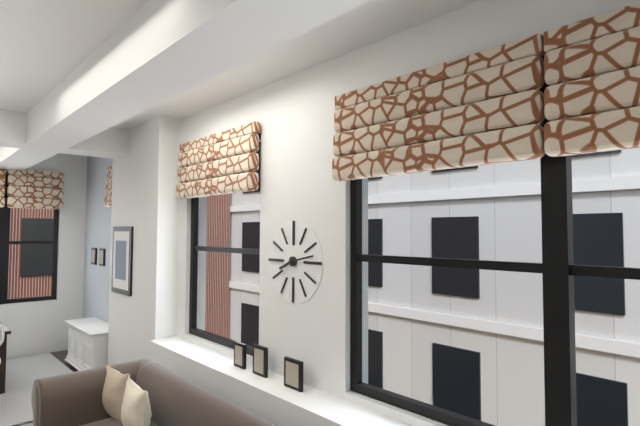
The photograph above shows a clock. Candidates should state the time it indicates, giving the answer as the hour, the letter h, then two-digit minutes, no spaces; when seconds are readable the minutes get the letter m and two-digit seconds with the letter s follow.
8h13
